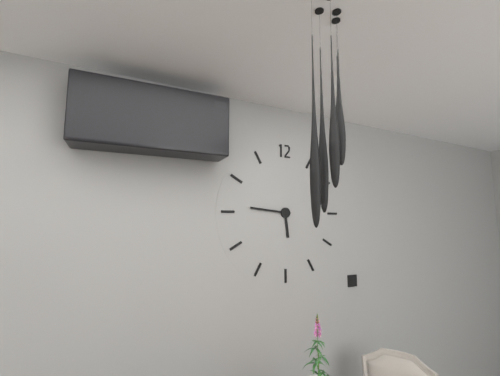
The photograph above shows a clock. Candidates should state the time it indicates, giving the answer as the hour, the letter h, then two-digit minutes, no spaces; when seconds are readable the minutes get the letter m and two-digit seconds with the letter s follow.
5h46
